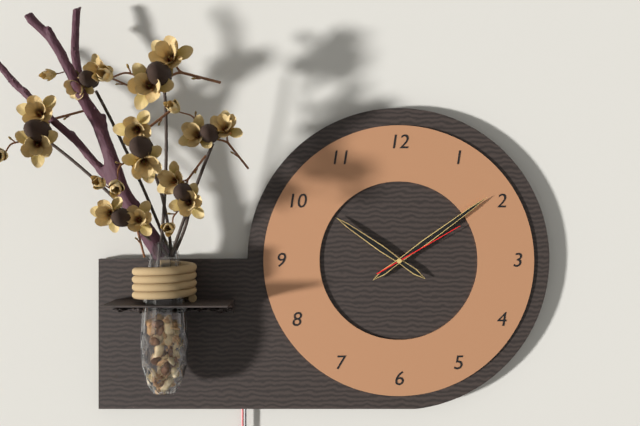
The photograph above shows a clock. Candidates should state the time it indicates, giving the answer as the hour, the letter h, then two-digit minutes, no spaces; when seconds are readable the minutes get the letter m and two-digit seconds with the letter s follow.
10h09m10s
